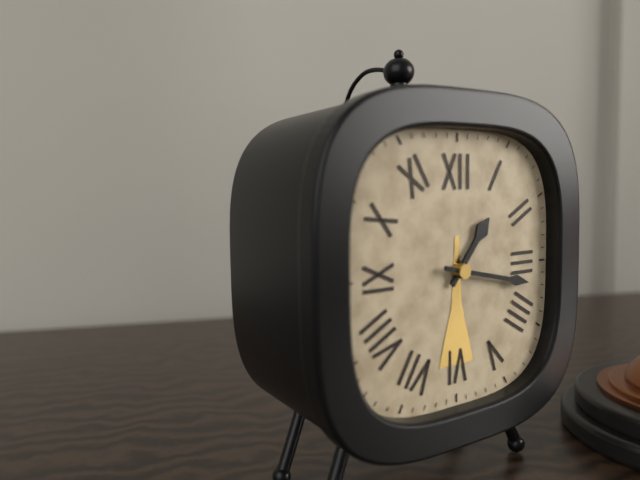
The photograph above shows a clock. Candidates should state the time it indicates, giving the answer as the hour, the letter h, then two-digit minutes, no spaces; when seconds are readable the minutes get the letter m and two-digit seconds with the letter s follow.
1h17
